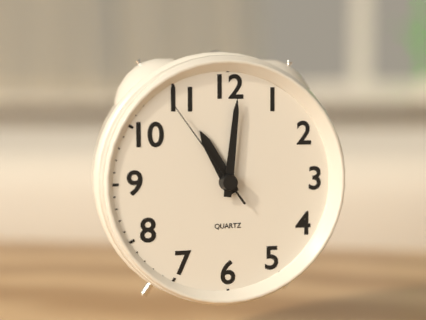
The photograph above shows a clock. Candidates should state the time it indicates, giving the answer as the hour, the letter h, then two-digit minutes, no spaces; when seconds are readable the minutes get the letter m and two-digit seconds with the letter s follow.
11h01m54s
